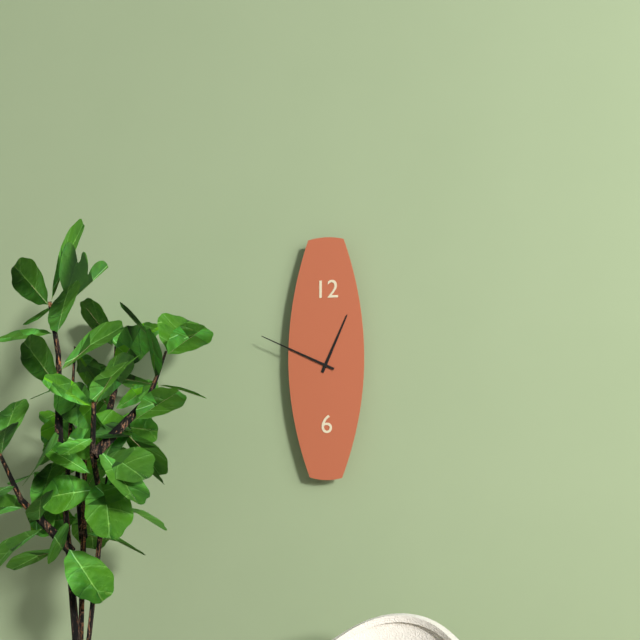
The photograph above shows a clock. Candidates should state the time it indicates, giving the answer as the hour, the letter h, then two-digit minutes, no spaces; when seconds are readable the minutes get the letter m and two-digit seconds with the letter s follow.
12h49
